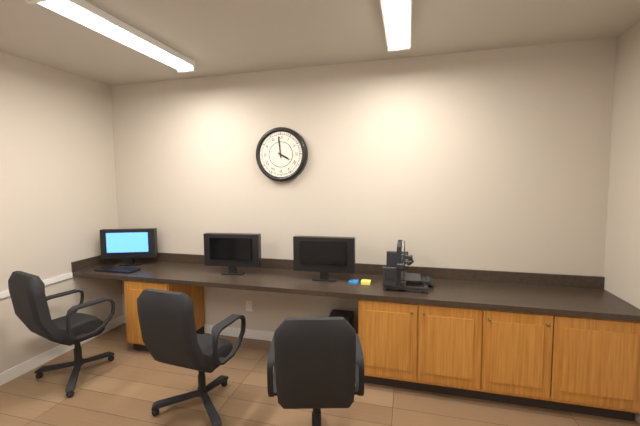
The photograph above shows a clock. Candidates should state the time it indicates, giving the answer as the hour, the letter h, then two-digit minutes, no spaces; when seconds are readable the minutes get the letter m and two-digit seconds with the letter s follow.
3h59
